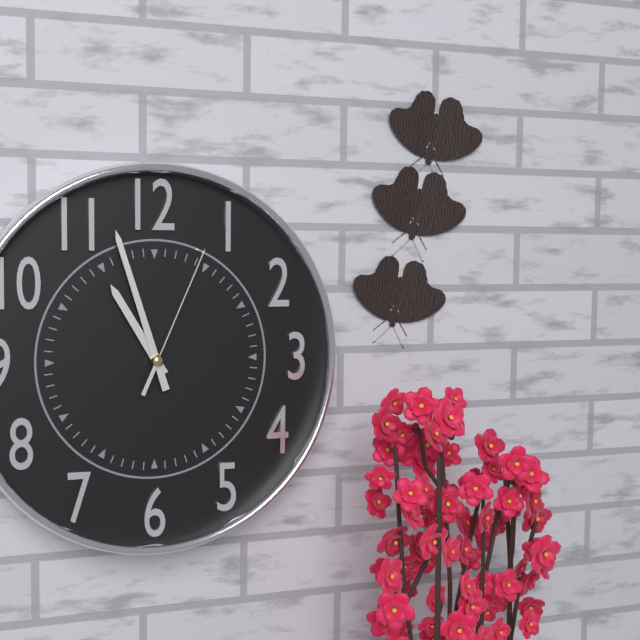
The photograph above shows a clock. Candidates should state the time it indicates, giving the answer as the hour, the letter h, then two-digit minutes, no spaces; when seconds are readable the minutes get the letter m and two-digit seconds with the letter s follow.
10h57m04s
